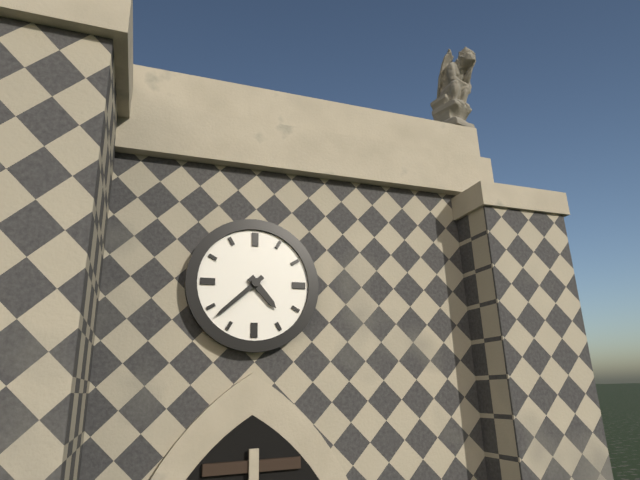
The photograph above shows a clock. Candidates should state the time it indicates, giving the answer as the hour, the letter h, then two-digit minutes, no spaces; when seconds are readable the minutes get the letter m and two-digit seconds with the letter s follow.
4h38
